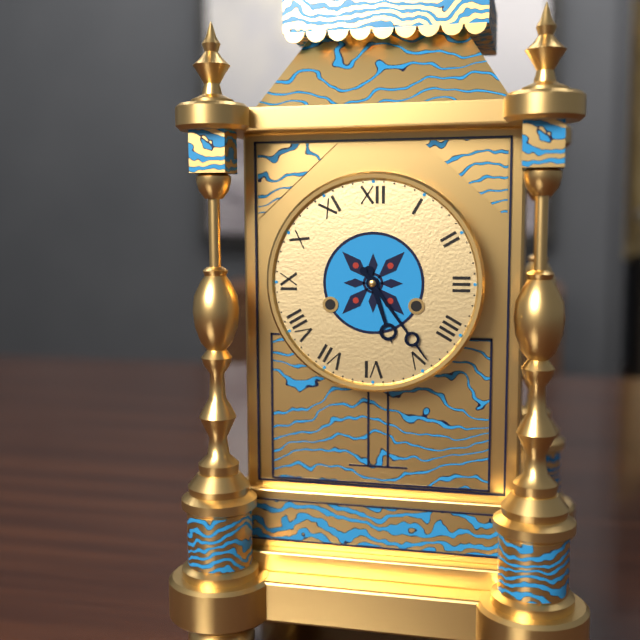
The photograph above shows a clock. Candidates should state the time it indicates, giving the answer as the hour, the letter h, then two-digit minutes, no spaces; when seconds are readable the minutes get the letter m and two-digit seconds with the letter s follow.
5h24
